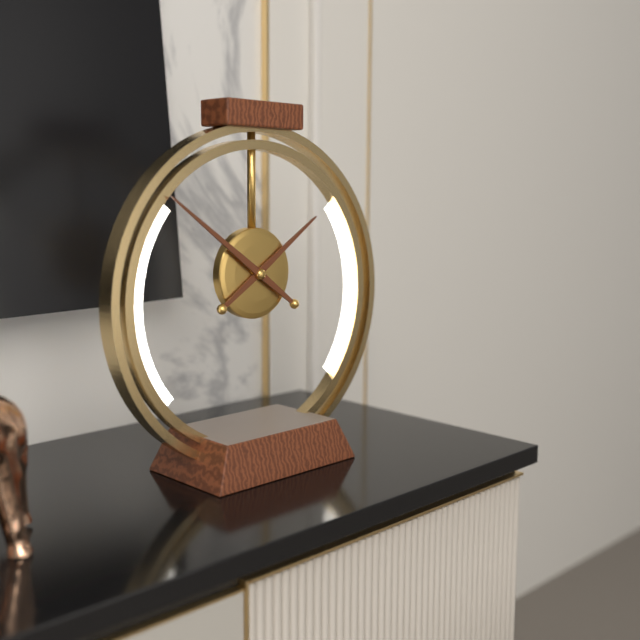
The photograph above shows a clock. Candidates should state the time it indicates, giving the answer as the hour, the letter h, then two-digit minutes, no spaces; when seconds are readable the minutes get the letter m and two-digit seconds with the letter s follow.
1h51
